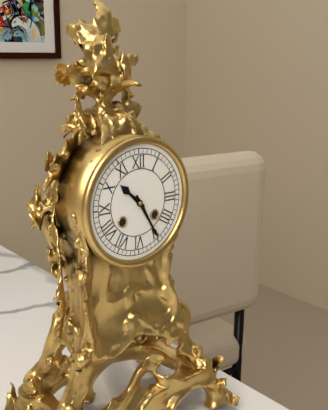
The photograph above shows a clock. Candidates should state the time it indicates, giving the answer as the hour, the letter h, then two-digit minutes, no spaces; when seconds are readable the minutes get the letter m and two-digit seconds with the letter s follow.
10h25
